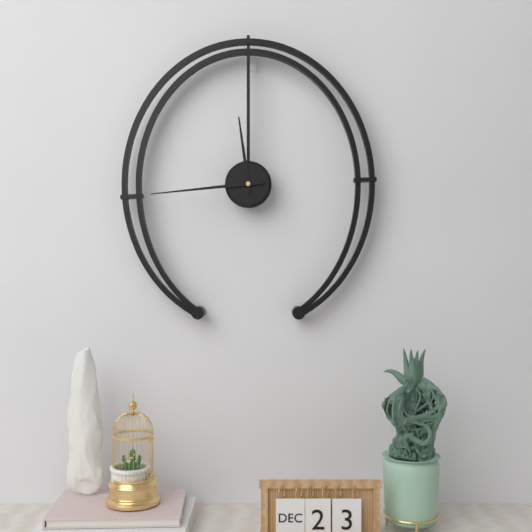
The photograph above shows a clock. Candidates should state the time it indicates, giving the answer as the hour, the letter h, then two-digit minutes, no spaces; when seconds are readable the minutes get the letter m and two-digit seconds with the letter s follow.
11h44
